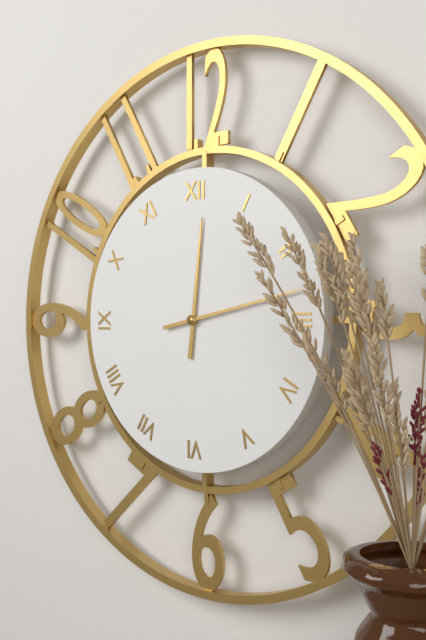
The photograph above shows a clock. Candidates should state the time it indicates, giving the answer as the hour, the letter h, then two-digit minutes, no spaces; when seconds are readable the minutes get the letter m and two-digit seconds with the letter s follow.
12h13
